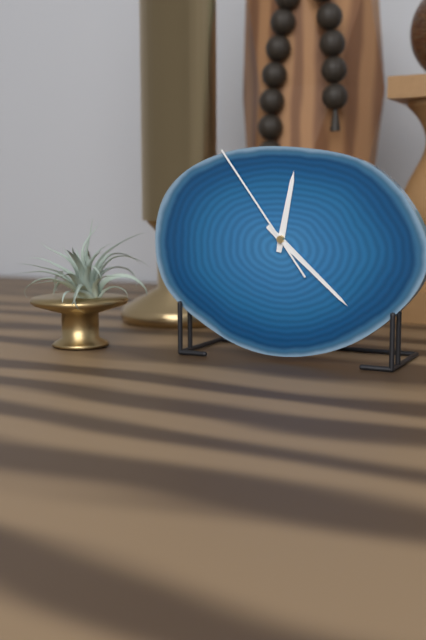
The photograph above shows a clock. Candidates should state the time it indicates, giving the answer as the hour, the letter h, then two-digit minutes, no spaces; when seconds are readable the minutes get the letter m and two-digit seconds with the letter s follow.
12h22m54s
